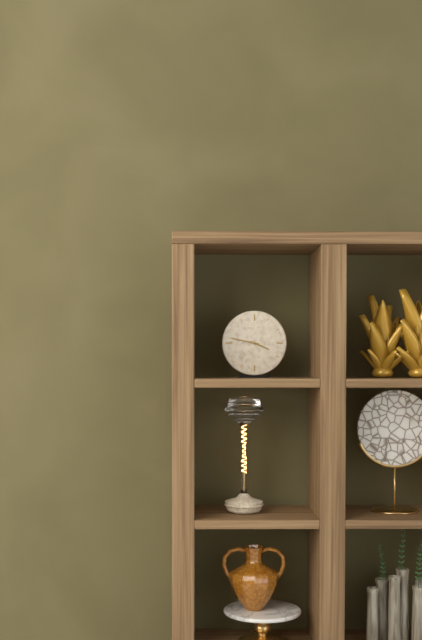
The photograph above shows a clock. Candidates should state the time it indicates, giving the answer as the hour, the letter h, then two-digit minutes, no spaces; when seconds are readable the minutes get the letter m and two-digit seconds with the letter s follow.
3h47
